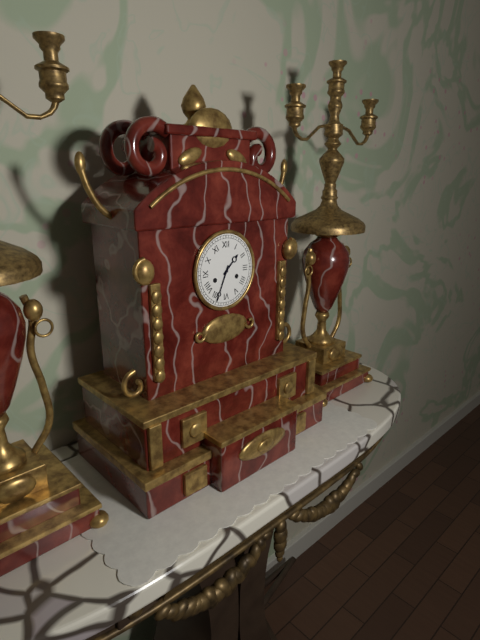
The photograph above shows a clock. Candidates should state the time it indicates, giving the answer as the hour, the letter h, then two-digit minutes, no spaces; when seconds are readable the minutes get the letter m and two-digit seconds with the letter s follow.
1h34
